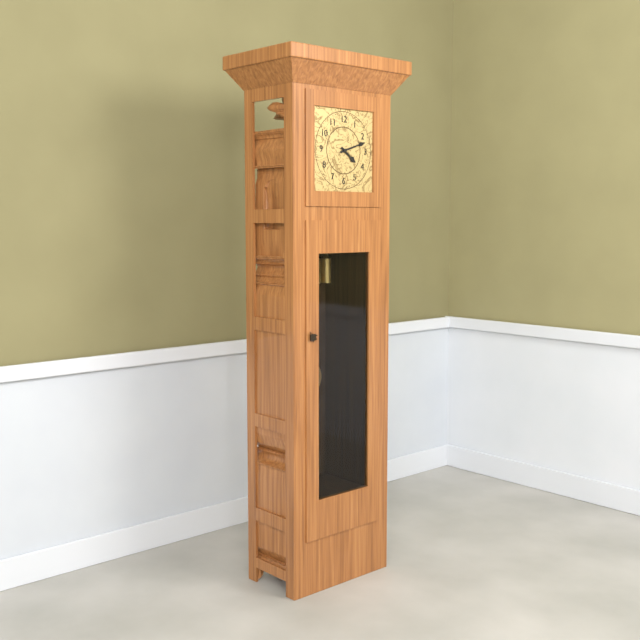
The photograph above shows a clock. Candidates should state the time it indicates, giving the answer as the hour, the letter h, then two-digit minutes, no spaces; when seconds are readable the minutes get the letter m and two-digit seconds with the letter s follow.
4h12
